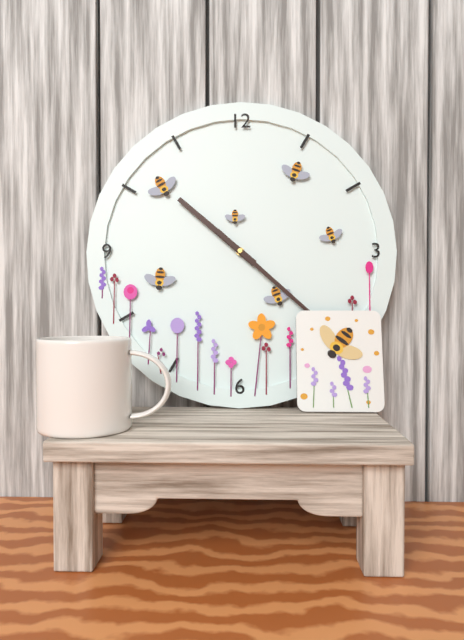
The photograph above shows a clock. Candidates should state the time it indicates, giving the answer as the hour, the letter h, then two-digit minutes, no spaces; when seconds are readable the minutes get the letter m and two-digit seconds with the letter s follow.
10h22
